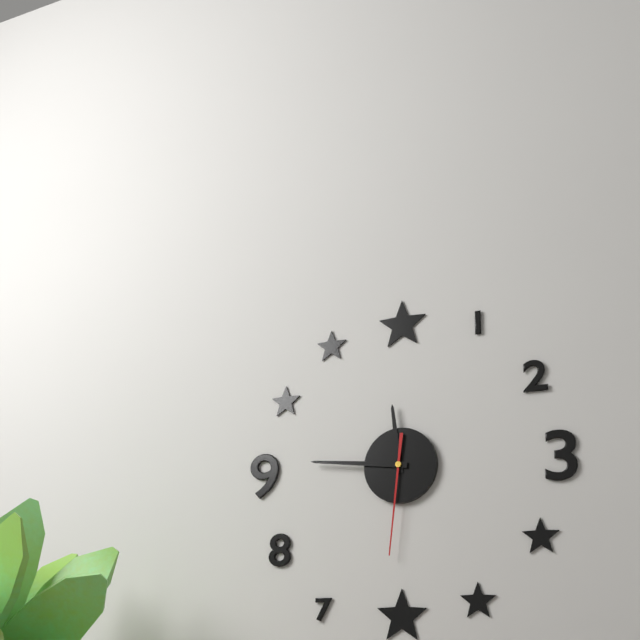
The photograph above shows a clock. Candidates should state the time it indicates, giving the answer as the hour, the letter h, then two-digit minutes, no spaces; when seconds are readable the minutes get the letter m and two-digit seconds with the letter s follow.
11h46m31s
